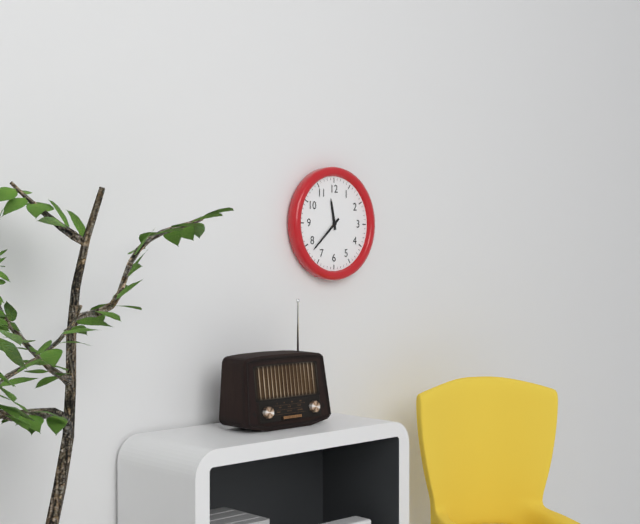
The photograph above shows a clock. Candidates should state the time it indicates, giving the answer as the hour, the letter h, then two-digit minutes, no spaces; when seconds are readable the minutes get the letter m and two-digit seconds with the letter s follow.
11h38
